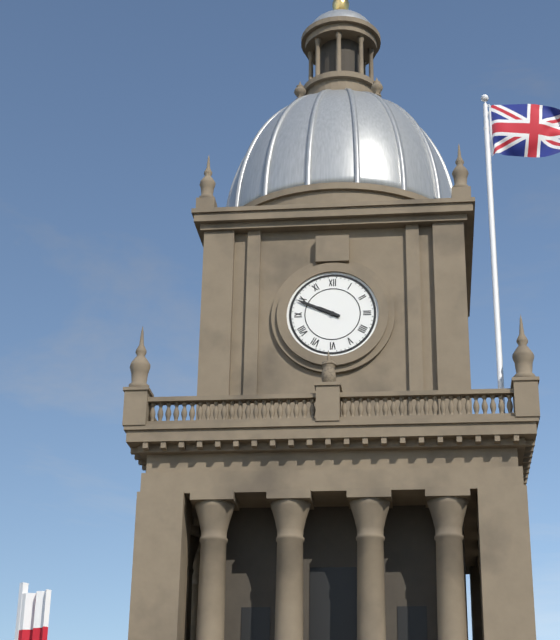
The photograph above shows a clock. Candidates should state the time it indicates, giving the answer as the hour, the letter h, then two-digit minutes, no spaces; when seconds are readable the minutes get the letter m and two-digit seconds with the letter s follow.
9h49
